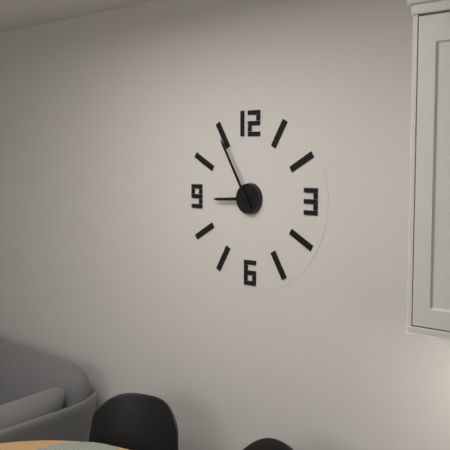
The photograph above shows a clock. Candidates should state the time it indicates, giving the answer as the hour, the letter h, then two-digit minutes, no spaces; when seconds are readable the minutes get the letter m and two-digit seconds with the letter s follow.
8h55
